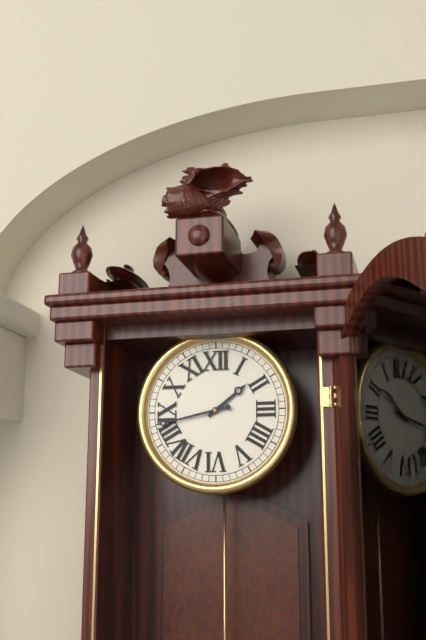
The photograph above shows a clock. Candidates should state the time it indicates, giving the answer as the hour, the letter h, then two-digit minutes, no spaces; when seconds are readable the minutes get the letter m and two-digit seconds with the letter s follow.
1h43
